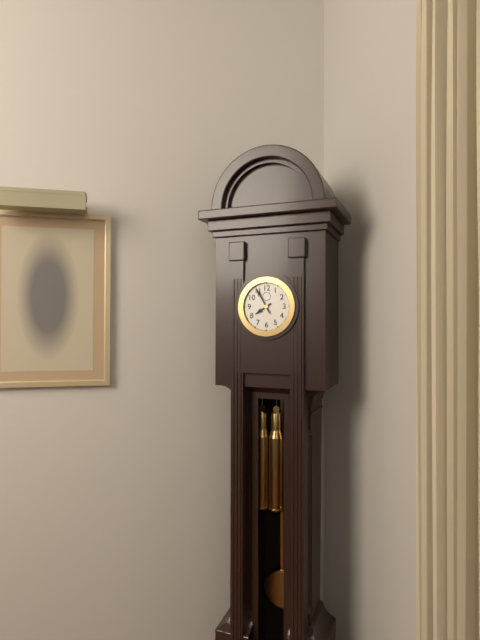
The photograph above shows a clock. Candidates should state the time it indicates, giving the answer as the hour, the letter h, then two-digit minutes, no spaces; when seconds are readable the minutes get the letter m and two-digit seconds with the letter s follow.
7h55
